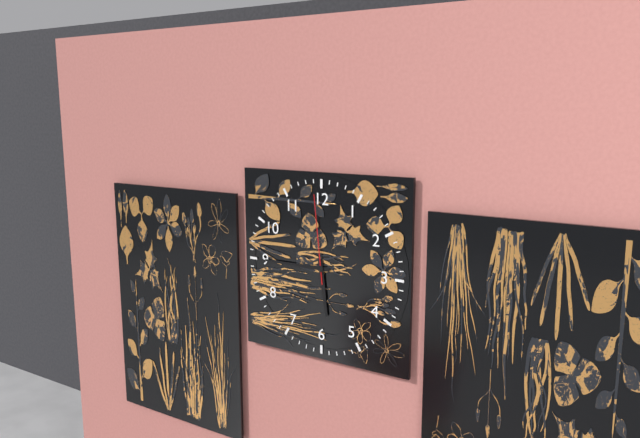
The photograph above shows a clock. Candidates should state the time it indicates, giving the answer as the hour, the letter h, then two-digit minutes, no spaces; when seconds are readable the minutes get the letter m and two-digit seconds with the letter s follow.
5h45m59s
